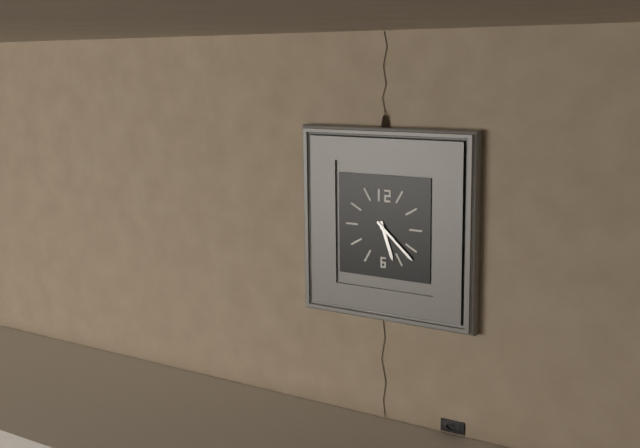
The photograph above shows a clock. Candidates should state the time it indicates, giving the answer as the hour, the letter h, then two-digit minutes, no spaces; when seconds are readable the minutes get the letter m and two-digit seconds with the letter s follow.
5h22
